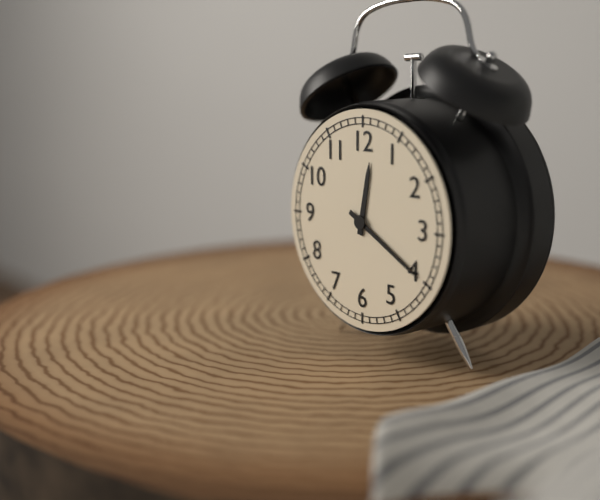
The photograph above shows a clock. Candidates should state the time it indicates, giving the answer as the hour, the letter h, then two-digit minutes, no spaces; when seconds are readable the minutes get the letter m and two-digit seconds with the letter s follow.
12h20
